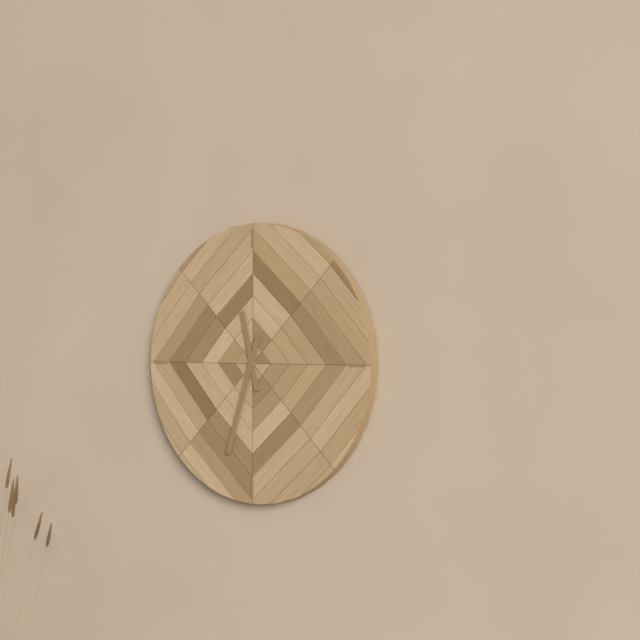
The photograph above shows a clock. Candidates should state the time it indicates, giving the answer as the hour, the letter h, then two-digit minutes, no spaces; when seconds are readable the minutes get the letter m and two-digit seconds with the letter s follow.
11h33
